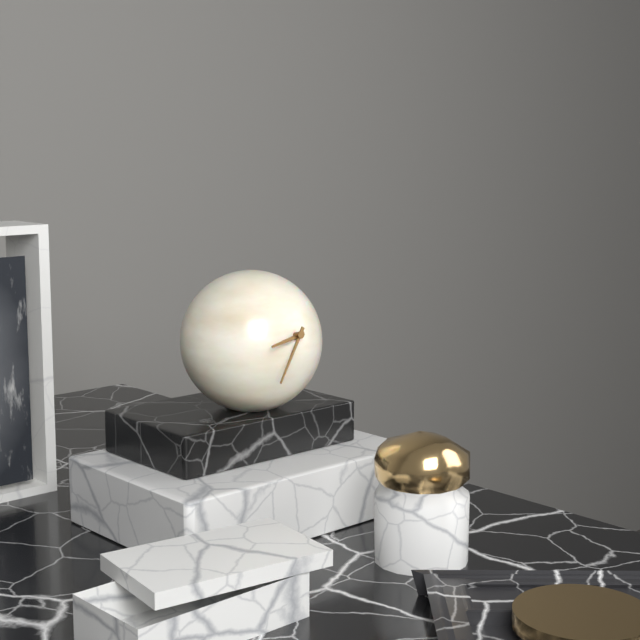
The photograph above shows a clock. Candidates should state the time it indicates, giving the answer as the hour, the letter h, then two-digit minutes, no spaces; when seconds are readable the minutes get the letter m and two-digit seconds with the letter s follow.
8h36
